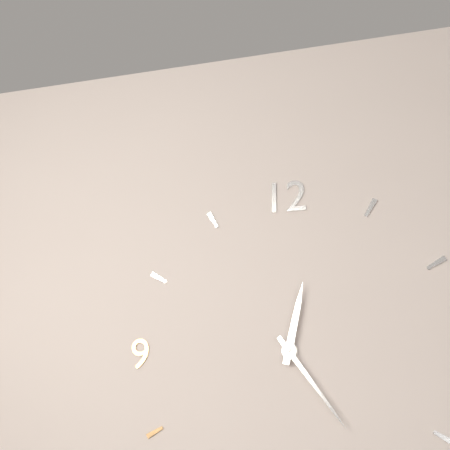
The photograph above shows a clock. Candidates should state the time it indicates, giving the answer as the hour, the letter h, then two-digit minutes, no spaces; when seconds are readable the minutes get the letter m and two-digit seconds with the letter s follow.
12h24
